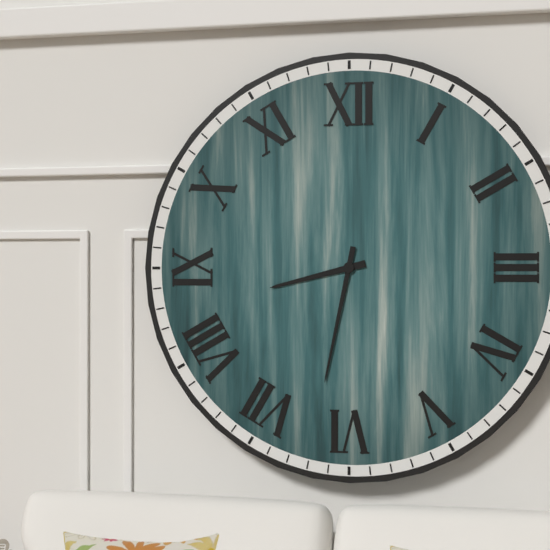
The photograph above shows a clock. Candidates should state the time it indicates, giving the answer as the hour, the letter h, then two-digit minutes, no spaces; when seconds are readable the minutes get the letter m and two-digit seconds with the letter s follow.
8h32
